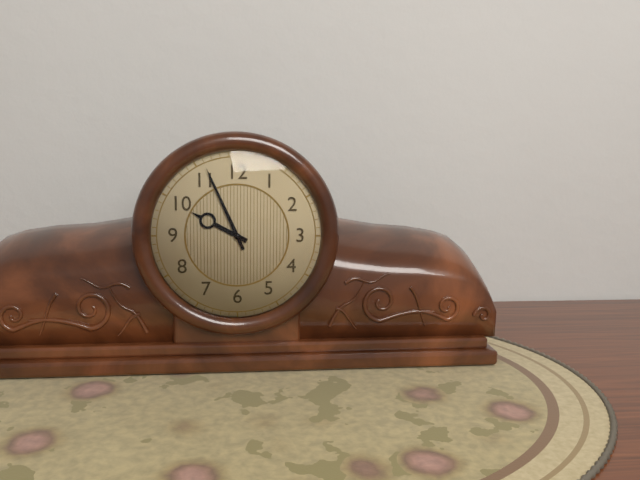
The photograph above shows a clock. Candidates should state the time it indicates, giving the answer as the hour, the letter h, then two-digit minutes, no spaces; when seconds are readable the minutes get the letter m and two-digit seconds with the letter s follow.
9h56
